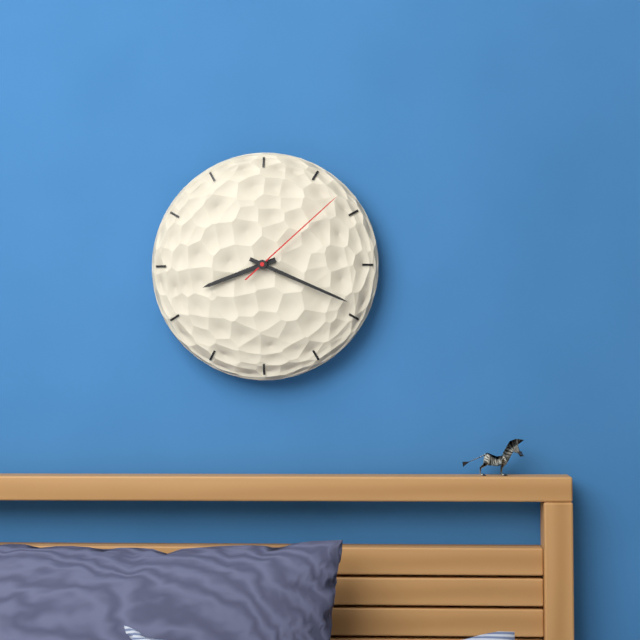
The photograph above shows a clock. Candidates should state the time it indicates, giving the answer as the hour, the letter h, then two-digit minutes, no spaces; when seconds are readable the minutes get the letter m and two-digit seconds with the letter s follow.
8h19m08s
